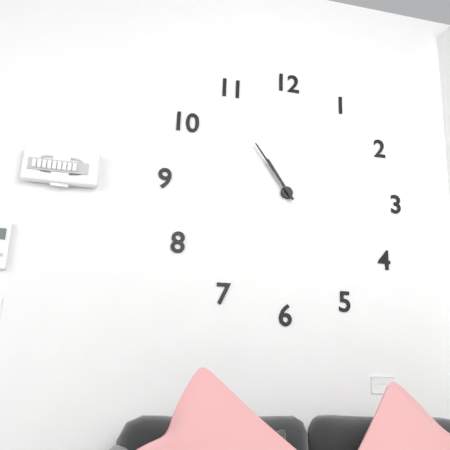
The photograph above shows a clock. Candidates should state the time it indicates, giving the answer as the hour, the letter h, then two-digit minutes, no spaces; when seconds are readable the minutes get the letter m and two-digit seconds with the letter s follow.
10h54
